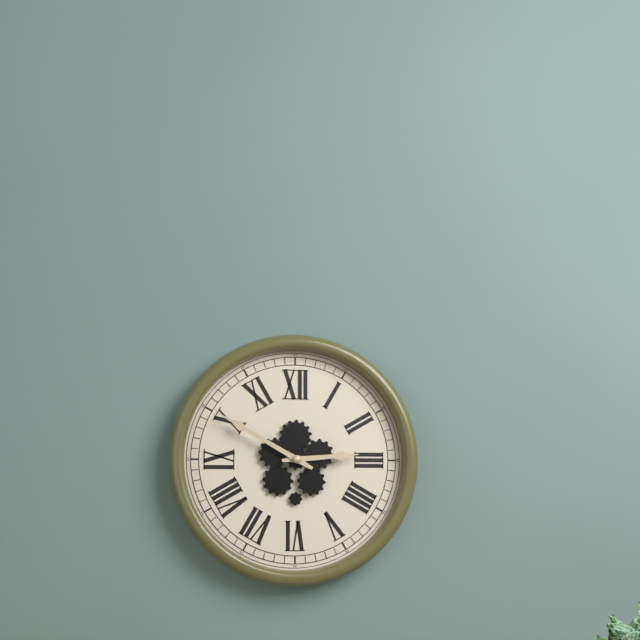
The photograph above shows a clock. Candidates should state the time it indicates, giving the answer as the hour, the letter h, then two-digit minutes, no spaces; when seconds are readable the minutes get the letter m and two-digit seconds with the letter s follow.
2h50
